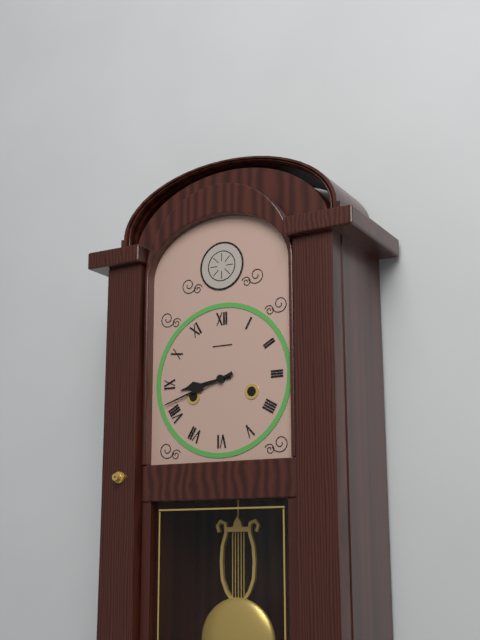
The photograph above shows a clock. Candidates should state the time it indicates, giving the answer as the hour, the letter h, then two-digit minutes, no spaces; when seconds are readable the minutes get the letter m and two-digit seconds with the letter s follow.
8h42
